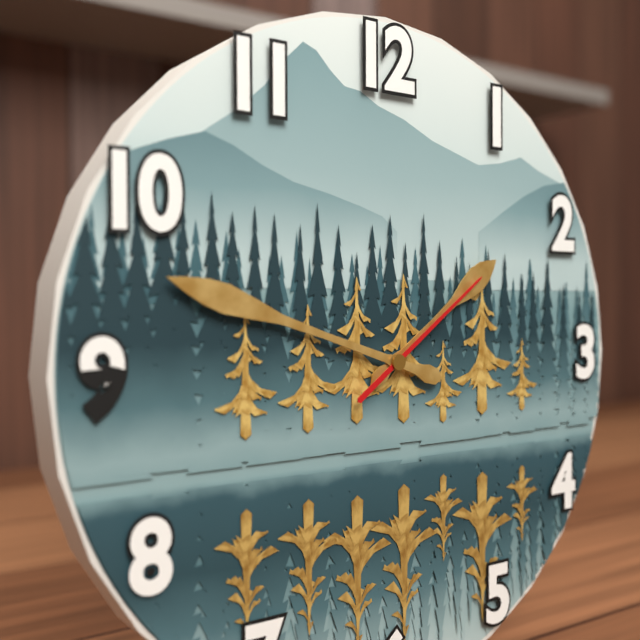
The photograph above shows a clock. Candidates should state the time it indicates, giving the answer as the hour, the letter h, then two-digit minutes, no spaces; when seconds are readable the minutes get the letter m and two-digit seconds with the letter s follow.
1h48m09s
